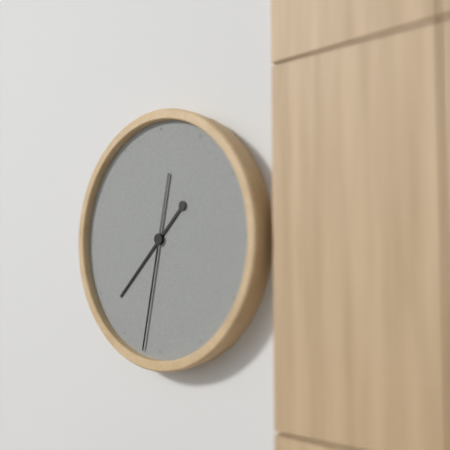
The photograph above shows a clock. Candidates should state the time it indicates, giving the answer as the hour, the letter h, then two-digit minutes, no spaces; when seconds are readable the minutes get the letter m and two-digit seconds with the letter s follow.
7h32
